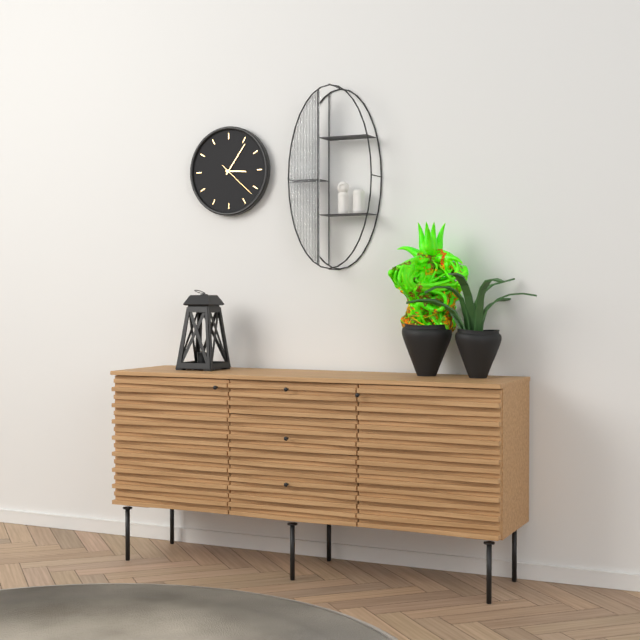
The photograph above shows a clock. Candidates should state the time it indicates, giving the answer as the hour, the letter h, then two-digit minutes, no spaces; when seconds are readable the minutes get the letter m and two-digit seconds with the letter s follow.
3h06
